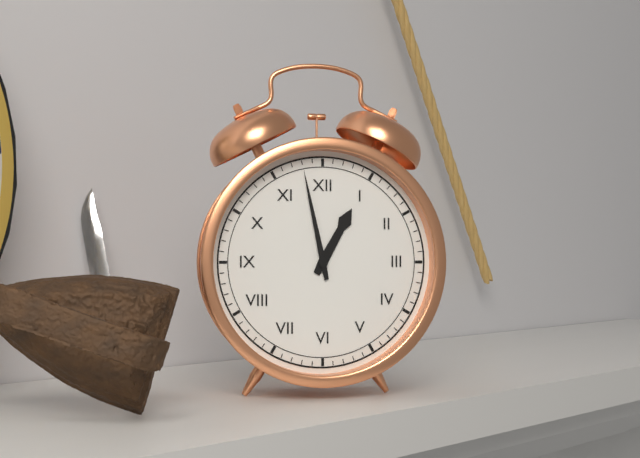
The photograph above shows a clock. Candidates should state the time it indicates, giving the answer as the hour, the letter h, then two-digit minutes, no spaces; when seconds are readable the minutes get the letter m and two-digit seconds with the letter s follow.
12h58
